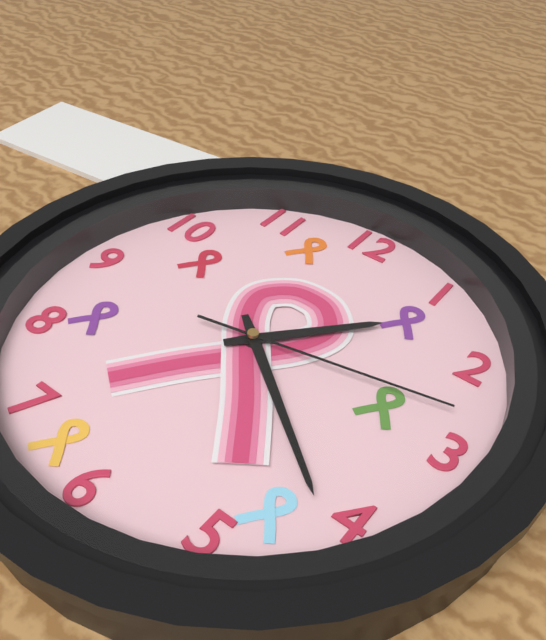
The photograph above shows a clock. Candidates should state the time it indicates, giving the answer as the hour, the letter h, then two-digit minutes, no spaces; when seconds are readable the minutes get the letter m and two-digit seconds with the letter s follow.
1h21m13s
